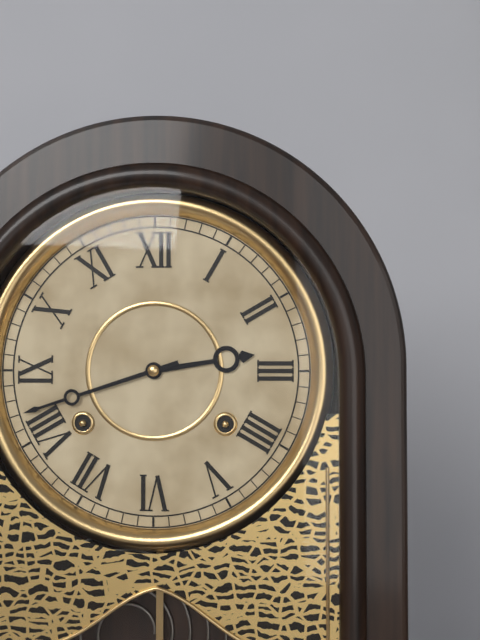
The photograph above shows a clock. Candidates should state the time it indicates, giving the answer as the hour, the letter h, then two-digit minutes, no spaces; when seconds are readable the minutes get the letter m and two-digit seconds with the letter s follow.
2h42
